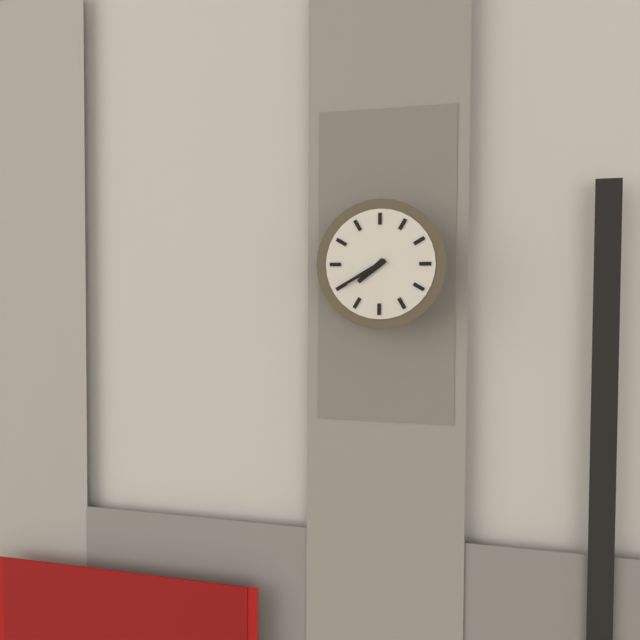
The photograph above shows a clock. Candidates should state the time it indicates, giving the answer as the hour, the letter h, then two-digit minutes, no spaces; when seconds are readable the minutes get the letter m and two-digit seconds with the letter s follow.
7h40
